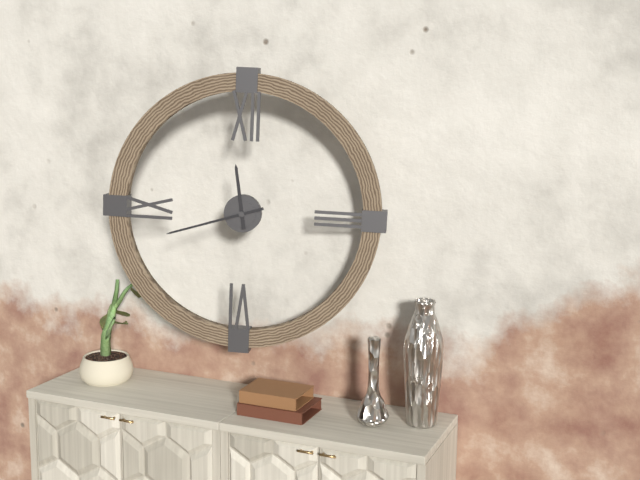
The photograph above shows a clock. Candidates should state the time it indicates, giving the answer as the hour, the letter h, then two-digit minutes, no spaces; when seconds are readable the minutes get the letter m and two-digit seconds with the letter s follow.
11h42
